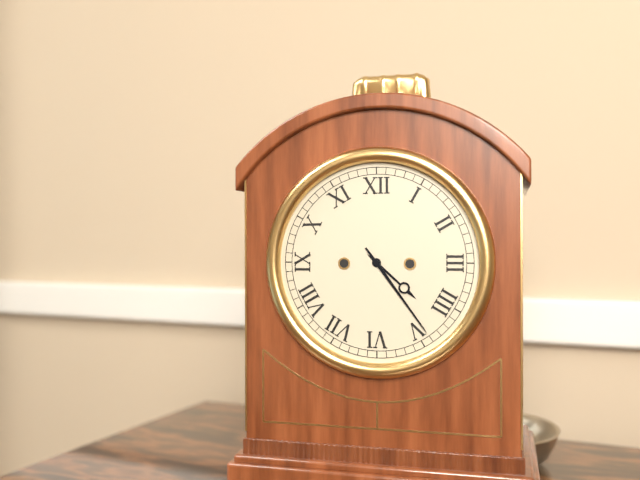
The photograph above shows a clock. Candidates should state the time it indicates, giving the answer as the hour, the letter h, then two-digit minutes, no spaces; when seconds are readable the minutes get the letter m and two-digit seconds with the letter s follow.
4h24
